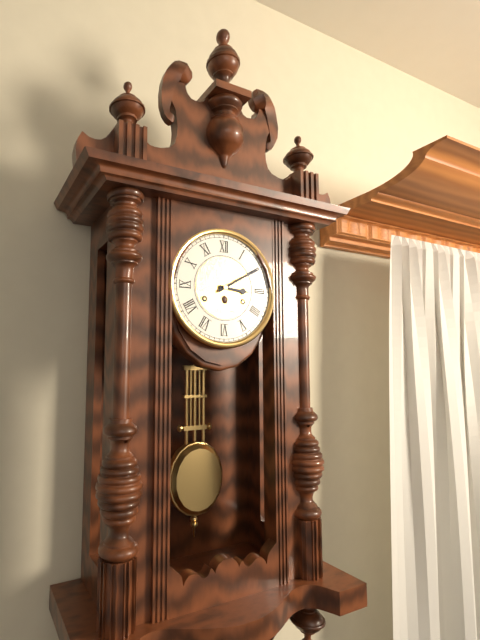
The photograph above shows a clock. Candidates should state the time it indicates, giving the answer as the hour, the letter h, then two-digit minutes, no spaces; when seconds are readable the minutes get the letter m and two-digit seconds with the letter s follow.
3h10
